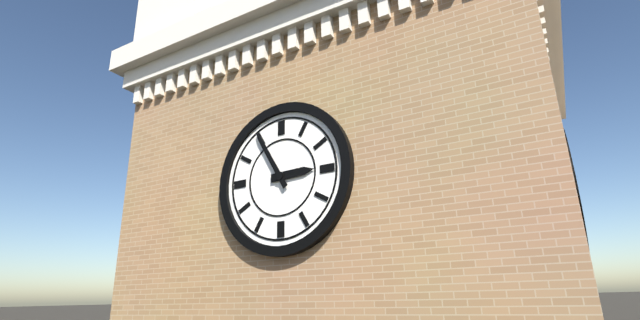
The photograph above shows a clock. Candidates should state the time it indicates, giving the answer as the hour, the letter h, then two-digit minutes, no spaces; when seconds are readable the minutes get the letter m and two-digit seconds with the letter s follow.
2h55
